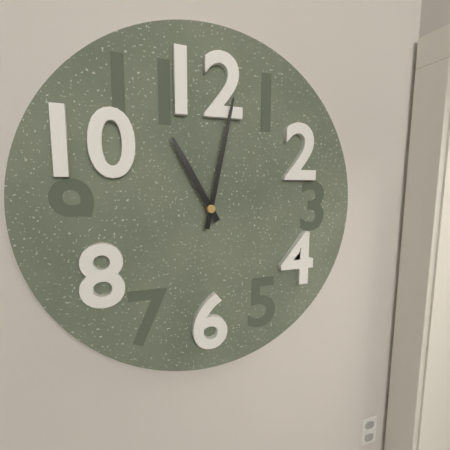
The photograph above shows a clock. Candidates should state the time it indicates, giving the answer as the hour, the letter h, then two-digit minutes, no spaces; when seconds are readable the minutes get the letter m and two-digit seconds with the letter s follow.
11h02
